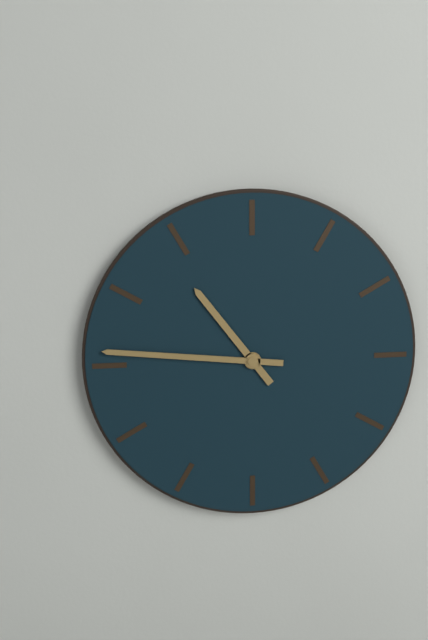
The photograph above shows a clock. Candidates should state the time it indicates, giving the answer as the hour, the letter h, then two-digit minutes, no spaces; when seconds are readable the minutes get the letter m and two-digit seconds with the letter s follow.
10h46
